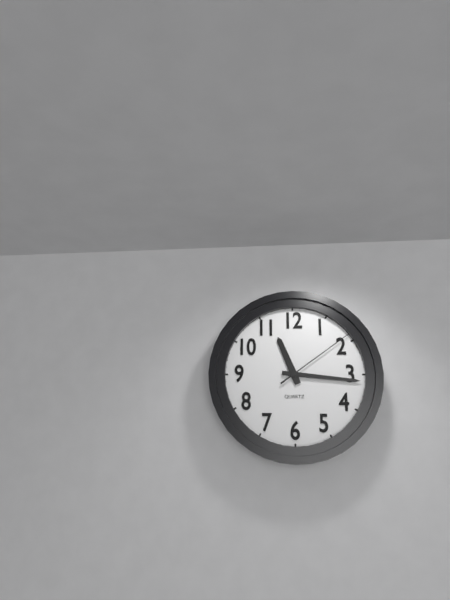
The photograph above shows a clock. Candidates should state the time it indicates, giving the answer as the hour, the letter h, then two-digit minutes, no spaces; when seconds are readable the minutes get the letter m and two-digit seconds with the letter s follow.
11h16m09s
